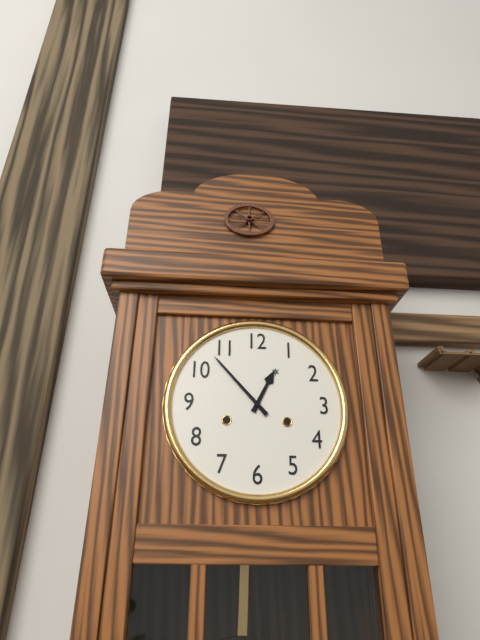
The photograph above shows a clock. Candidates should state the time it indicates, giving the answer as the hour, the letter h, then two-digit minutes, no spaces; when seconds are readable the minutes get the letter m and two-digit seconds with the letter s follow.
12h53
